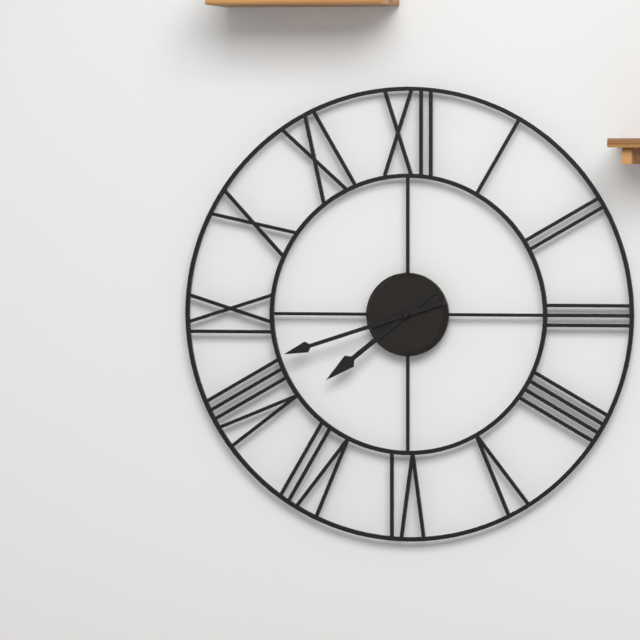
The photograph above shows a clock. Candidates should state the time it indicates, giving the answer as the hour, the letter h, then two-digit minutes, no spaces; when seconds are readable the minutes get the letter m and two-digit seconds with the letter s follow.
7h42
